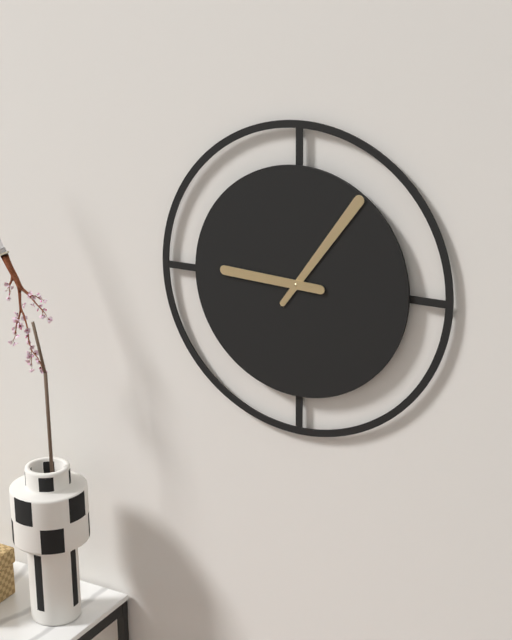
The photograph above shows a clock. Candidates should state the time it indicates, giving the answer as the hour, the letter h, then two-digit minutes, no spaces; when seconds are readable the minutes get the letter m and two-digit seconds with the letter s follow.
9h06
